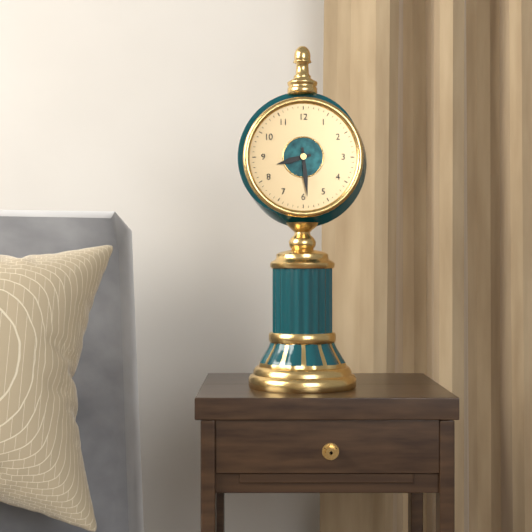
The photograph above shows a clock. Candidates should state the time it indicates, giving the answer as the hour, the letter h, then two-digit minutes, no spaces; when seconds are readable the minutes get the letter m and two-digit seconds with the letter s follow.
8h29
